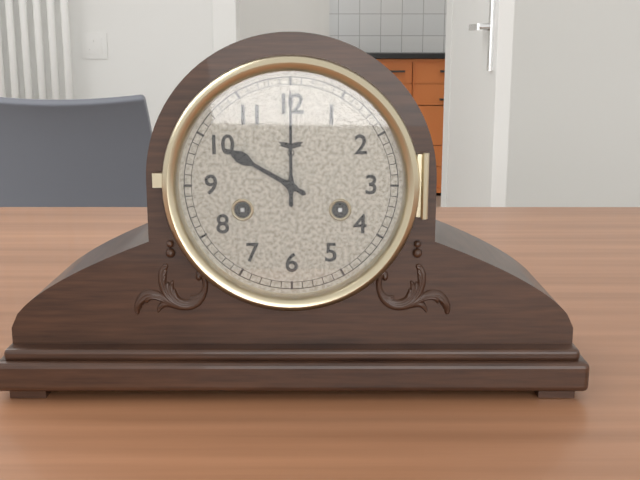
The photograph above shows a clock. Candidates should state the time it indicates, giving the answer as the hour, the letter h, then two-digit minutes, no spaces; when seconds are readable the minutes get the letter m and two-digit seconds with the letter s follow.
10h00
